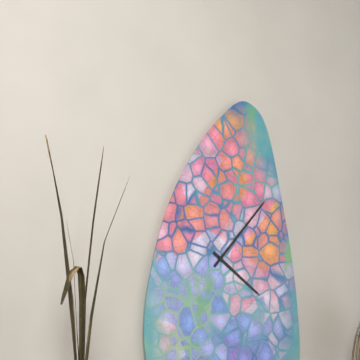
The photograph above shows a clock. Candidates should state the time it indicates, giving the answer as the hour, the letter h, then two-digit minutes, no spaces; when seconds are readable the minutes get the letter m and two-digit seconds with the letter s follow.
4h07
